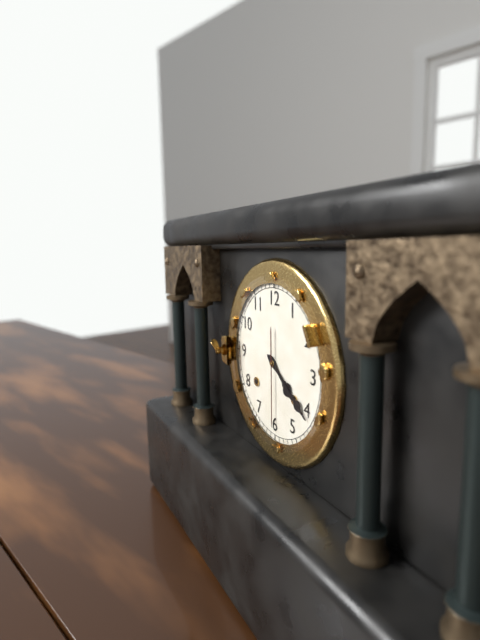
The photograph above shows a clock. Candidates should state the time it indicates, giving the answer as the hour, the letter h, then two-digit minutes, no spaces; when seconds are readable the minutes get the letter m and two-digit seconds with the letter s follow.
4h21m30s
